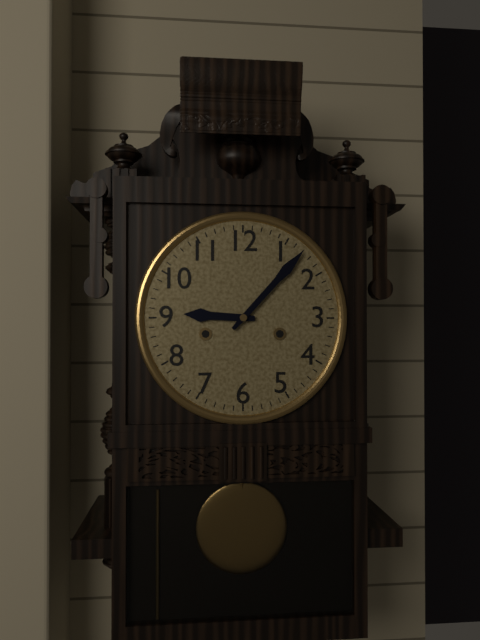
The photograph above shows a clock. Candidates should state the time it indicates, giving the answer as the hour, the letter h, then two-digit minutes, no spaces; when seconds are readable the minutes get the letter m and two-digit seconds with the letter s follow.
9h07
